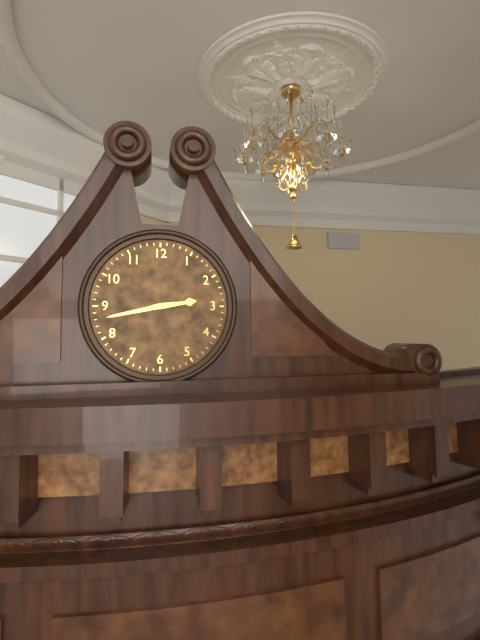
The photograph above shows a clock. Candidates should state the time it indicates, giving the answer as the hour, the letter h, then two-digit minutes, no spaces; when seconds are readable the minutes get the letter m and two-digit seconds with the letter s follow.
2h43
